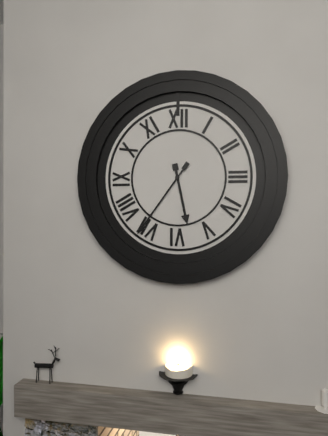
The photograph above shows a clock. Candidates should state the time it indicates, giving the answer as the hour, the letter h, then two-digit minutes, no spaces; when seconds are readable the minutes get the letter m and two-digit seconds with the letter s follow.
5h36
